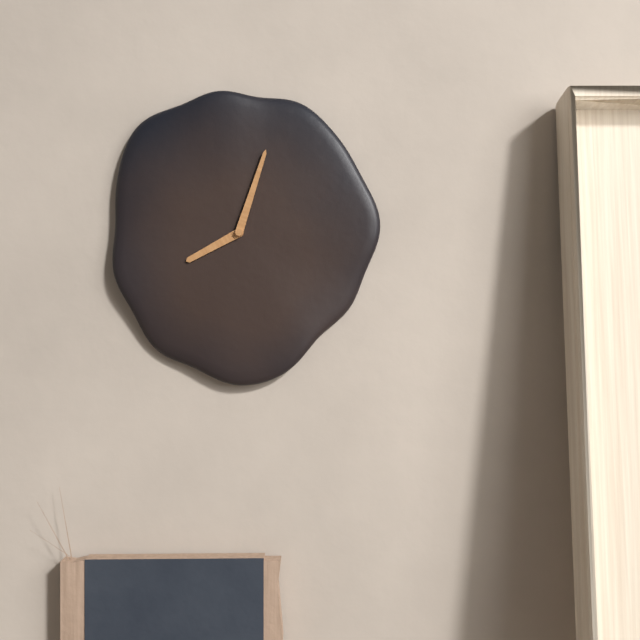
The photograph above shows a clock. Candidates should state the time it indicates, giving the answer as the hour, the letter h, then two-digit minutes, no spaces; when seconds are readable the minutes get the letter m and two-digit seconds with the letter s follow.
8h03
